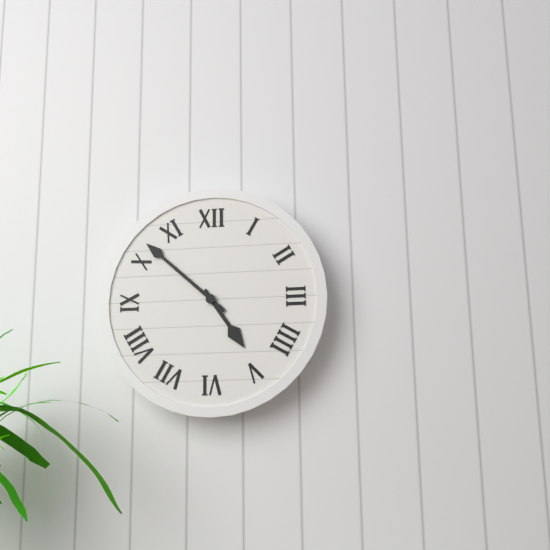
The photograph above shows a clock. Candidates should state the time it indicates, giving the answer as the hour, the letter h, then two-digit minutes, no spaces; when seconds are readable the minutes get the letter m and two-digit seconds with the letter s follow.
4h52
